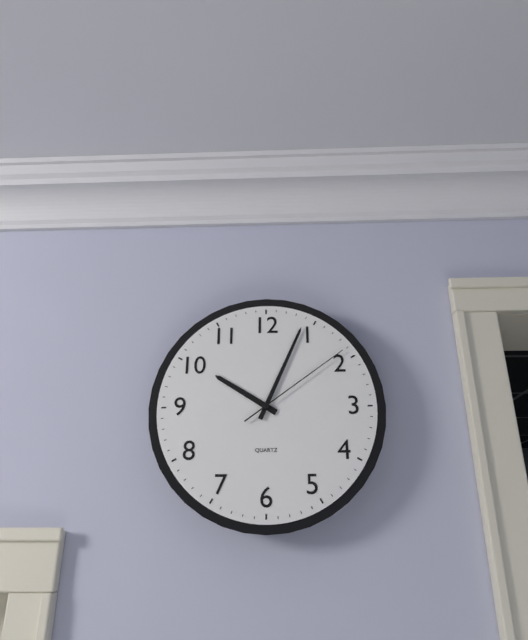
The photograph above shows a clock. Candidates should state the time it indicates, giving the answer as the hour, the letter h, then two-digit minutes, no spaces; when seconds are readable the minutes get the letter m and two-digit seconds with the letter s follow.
10h04m09s
